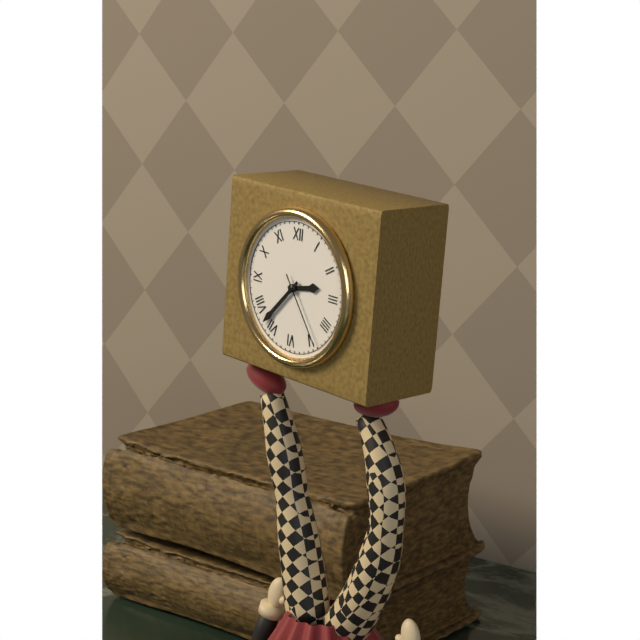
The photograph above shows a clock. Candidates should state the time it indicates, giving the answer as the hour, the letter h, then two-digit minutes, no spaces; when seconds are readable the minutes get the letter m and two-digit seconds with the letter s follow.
2h37m24s
